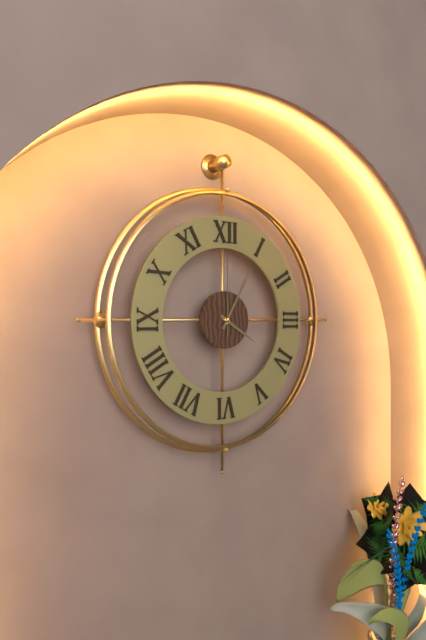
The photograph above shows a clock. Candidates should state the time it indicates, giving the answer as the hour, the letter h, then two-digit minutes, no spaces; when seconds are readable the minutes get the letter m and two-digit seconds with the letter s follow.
4h05m00s
